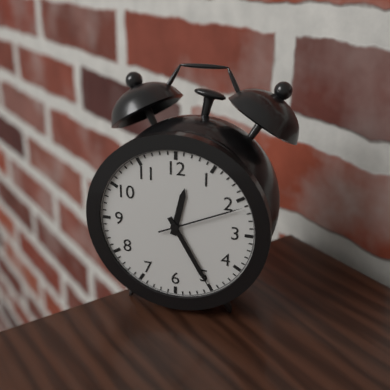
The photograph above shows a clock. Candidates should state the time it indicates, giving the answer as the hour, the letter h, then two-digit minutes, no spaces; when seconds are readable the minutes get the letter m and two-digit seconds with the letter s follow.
12h25m11s
